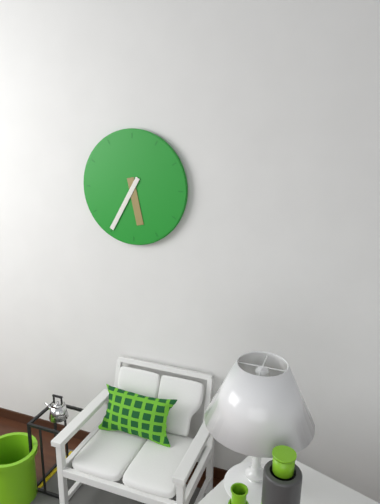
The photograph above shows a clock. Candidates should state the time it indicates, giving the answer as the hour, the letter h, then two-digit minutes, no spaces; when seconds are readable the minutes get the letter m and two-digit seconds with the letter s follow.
5h35
